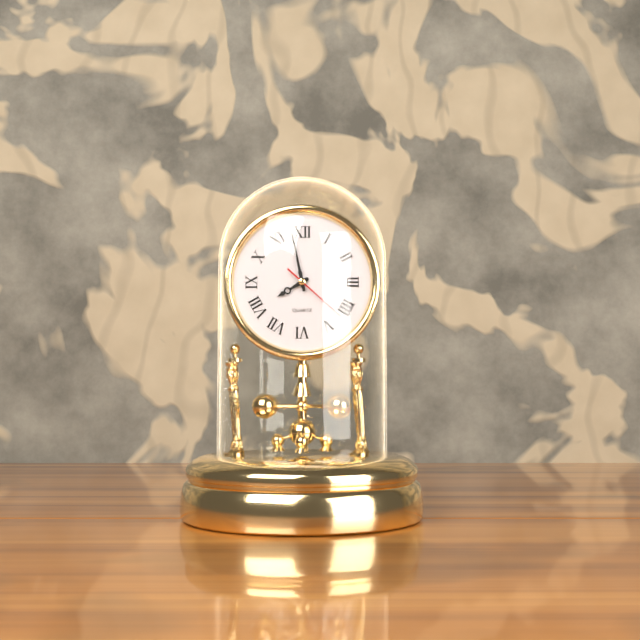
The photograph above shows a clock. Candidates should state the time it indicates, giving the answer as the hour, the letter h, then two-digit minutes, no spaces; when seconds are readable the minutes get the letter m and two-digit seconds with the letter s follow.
7h58m22s
